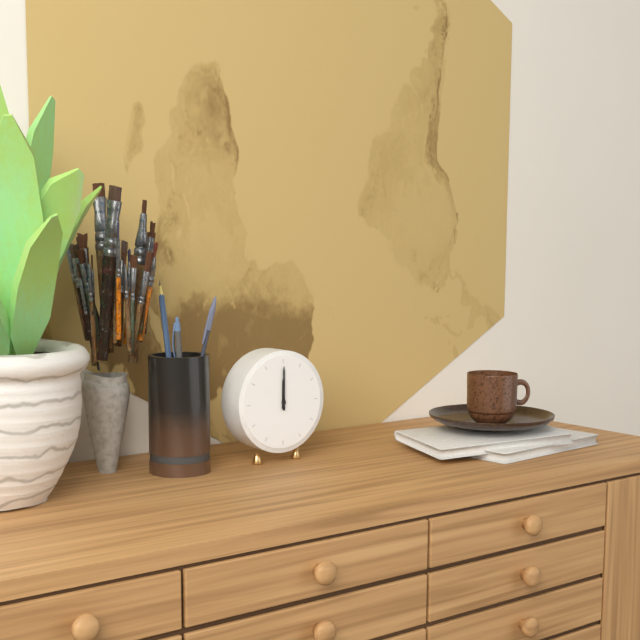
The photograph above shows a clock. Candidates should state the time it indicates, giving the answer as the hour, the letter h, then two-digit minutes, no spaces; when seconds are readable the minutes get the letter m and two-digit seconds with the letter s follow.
12h00
